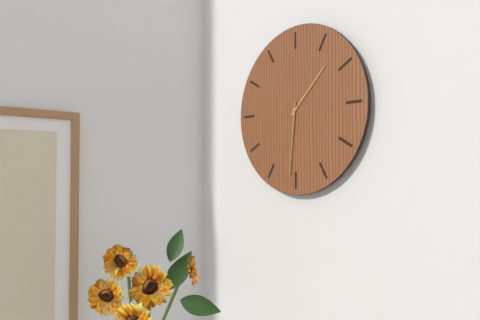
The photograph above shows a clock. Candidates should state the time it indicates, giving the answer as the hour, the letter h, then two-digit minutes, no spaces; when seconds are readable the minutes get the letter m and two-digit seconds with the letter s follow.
1h31
